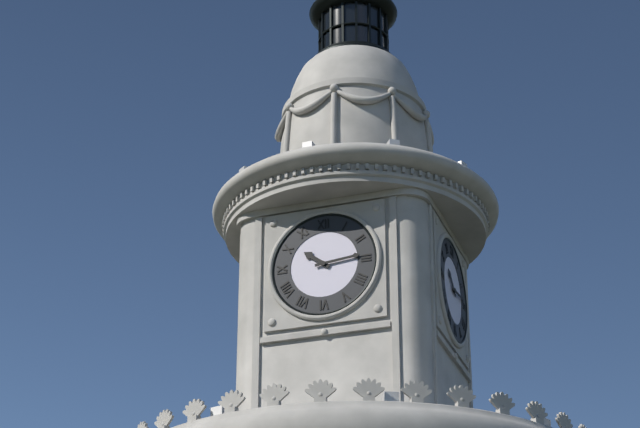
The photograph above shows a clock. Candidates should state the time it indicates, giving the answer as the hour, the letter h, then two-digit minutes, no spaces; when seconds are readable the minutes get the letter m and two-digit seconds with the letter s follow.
10h14
